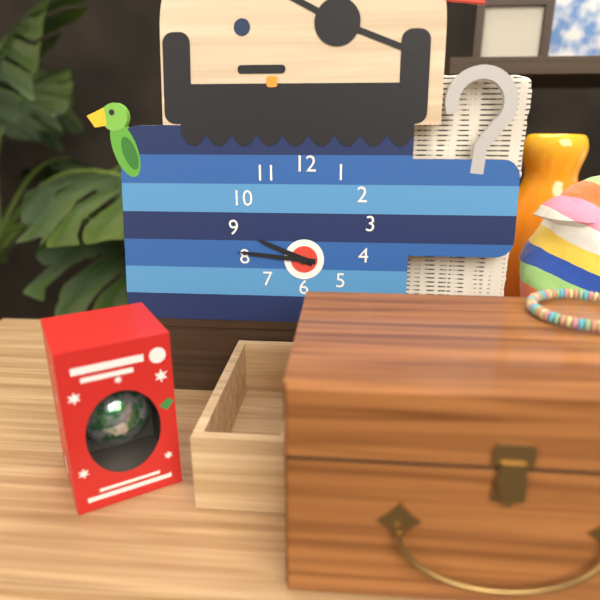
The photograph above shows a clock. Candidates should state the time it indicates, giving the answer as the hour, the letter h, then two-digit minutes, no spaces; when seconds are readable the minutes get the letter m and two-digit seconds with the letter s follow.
9h46
